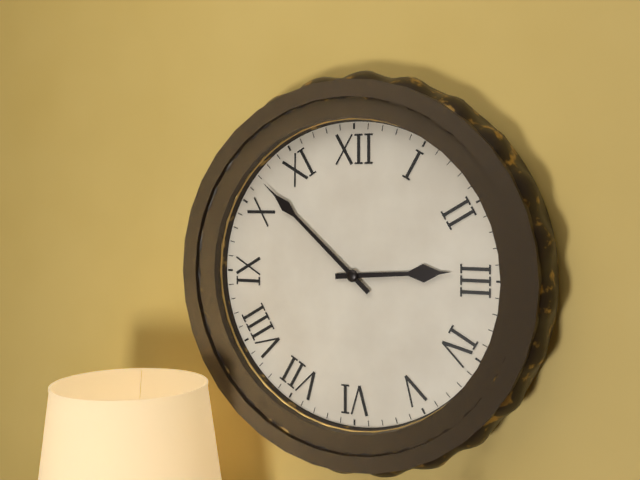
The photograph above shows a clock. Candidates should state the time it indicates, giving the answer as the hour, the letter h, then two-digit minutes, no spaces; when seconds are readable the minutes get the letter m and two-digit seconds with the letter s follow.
2h52
